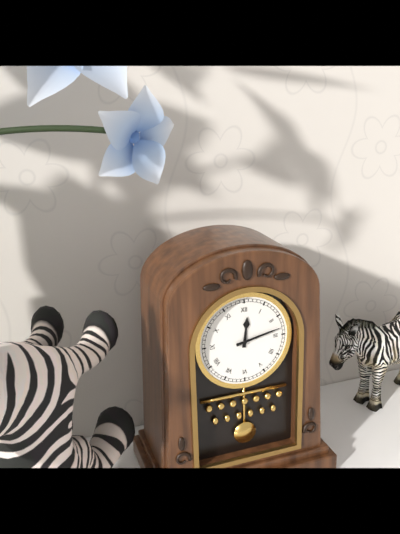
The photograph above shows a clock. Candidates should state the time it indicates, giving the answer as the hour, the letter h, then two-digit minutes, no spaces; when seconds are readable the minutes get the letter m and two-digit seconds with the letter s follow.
12h13
